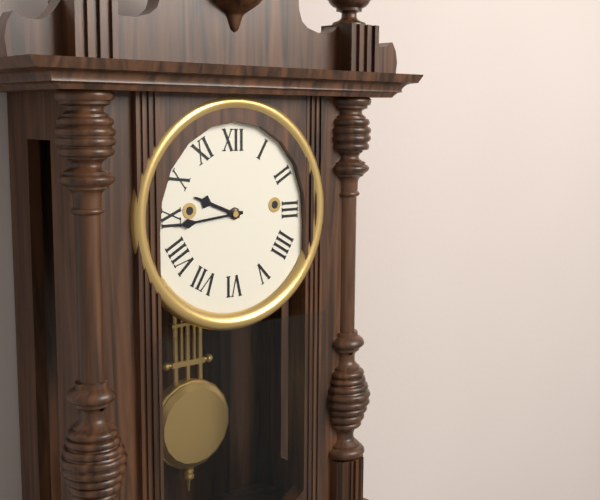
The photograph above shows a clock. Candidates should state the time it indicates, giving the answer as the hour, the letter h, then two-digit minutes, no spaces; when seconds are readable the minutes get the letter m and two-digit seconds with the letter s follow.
9h44
